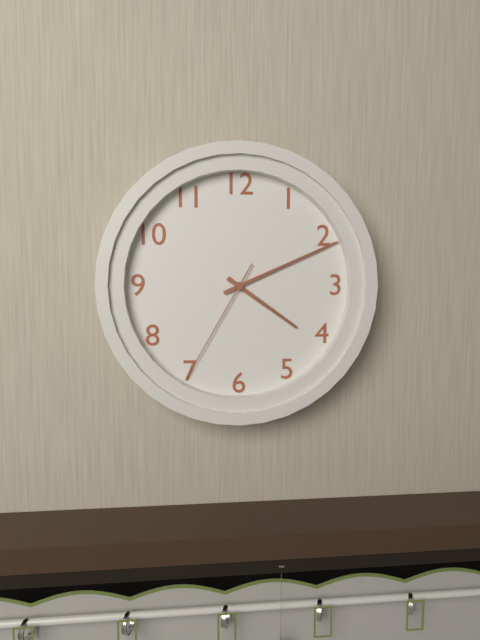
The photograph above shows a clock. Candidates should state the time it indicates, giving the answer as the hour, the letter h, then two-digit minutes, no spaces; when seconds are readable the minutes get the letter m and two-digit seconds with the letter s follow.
4h11m35s
